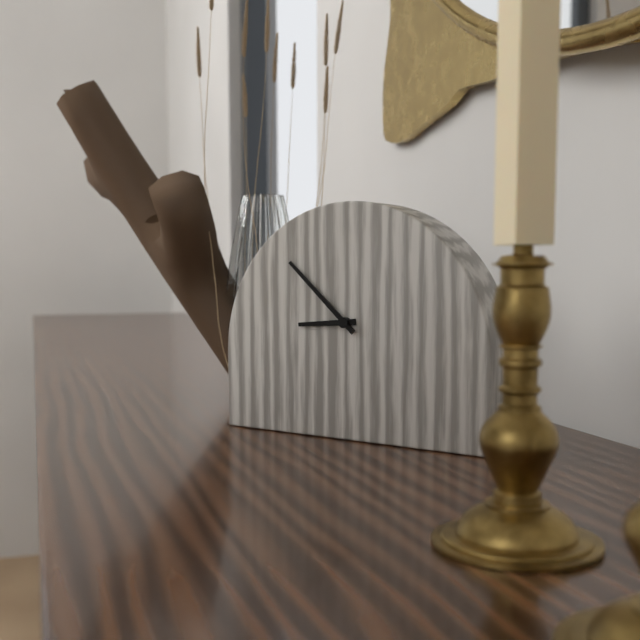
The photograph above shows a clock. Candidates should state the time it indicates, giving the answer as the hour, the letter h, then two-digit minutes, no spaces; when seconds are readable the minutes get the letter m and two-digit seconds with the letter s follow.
8h52
